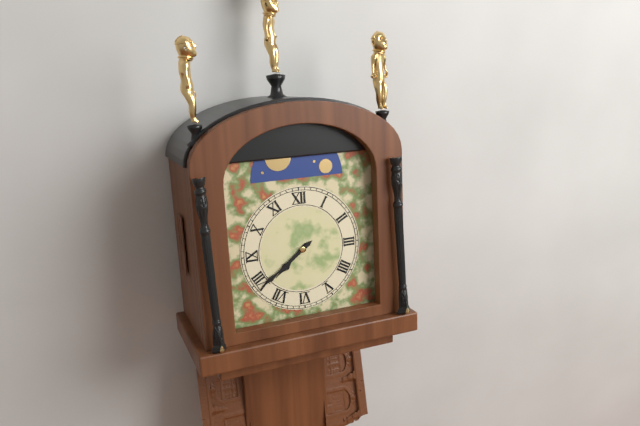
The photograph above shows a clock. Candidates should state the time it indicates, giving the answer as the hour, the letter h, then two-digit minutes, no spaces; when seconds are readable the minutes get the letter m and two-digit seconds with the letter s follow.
7h39
